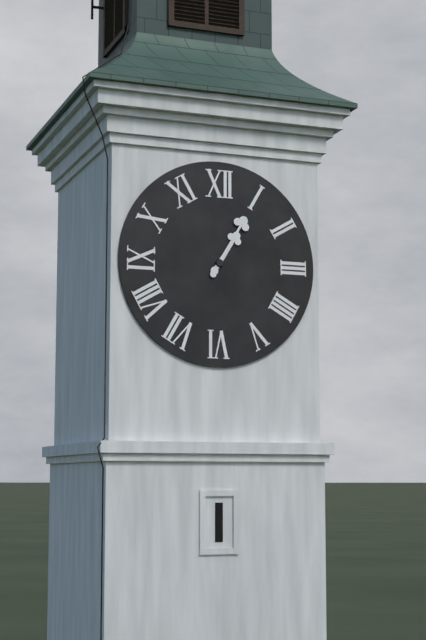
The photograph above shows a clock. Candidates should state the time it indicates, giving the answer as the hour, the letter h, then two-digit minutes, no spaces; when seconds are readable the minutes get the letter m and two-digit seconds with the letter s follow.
1h05
